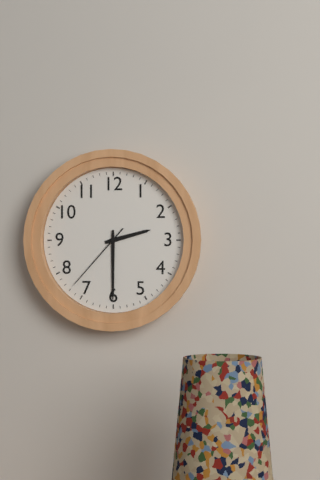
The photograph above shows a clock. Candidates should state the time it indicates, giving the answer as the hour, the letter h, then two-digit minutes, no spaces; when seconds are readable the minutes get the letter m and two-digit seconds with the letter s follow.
2h30m37s
